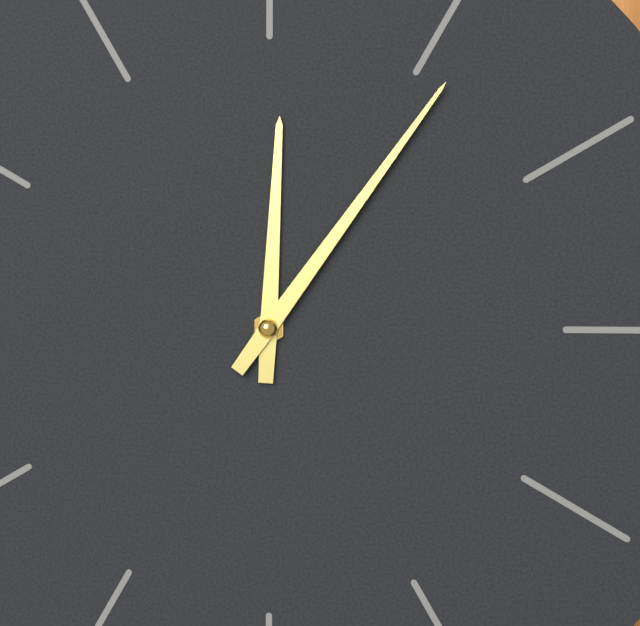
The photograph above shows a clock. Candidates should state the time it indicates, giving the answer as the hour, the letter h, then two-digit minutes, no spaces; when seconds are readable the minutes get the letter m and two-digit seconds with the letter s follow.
12h06
